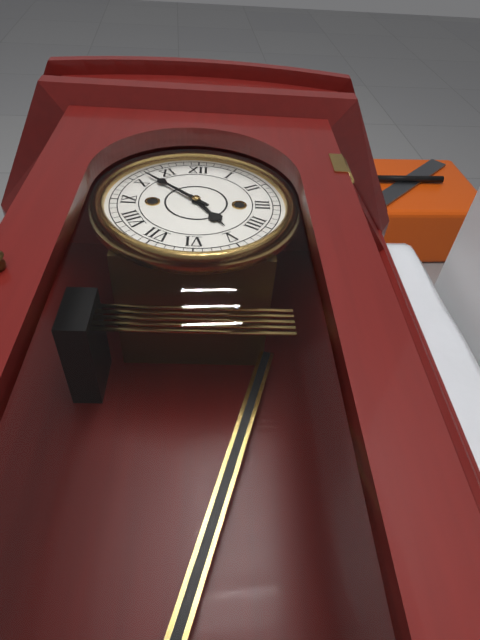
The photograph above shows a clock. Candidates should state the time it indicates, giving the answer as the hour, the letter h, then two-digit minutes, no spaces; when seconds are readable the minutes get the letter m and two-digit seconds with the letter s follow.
4h52
